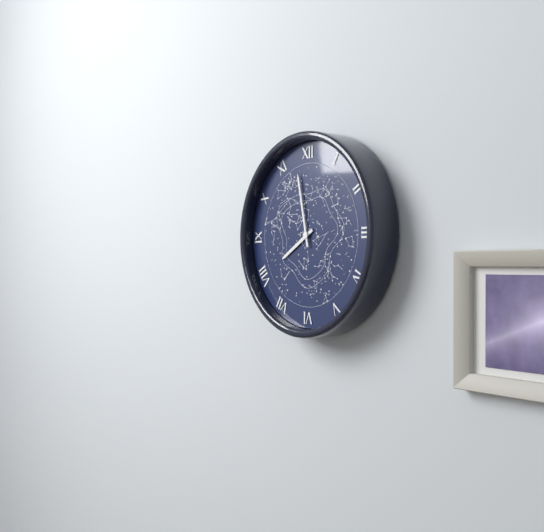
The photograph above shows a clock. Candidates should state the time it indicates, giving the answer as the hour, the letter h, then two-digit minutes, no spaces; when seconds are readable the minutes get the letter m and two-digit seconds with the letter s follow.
7h58
